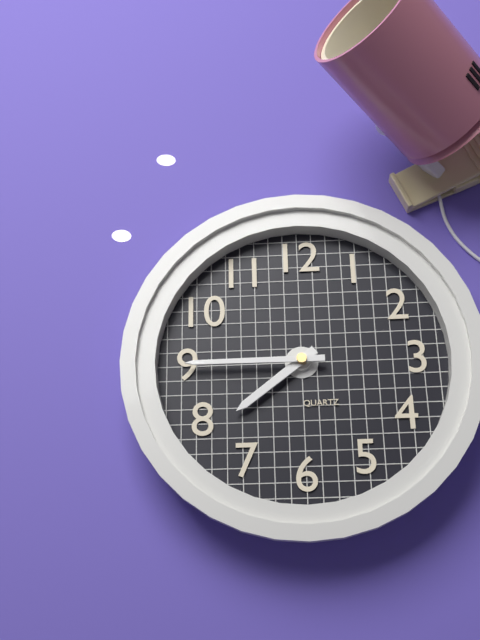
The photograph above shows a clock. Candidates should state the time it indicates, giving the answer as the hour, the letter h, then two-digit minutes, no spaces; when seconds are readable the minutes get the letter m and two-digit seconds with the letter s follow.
7h45
